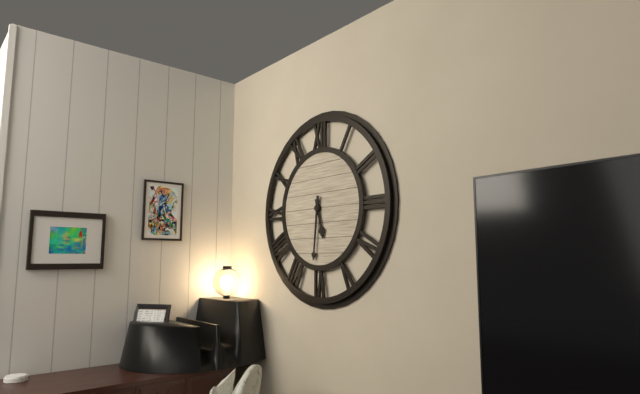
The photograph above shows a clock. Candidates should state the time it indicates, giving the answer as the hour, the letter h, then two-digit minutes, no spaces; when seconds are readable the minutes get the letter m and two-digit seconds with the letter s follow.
5h31
